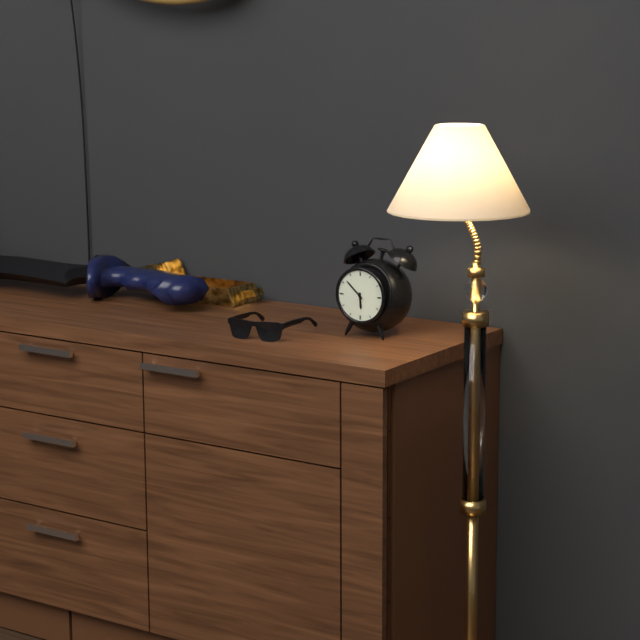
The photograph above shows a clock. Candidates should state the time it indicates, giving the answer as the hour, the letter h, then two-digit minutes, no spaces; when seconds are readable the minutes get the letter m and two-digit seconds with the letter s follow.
5h52
